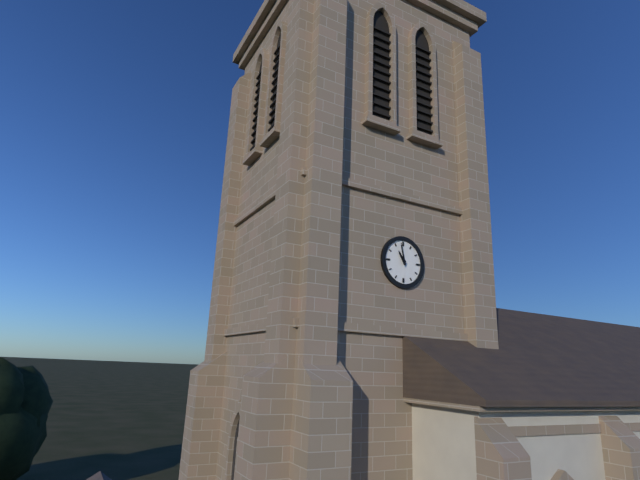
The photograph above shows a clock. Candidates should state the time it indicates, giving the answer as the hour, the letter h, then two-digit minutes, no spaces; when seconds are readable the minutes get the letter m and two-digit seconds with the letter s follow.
10h58
